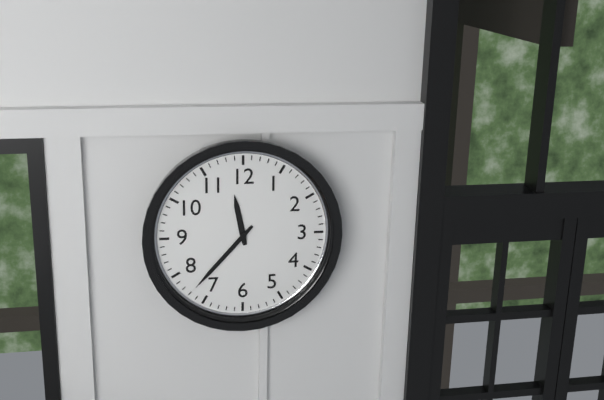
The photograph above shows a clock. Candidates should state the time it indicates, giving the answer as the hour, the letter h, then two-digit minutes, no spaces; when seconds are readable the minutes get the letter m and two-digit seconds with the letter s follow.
11h37
